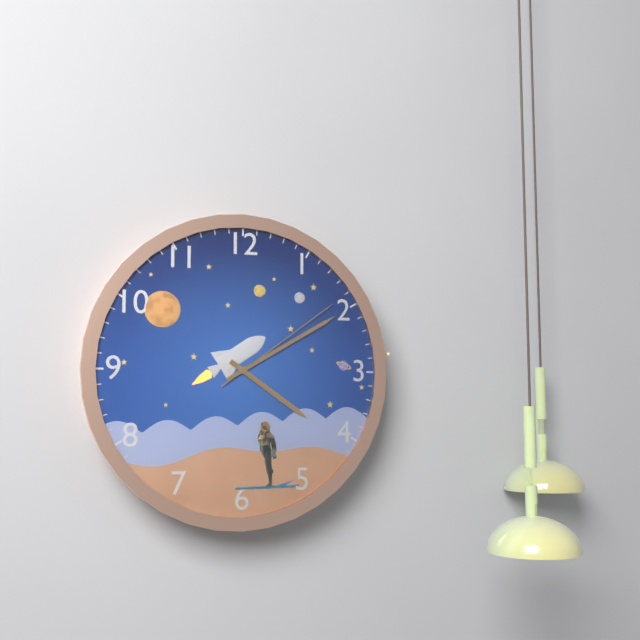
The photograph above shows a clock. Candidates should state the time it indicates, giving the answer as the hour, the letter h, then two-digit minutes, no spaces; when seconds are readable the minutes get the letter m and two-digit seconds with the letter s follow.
4h10m09s
